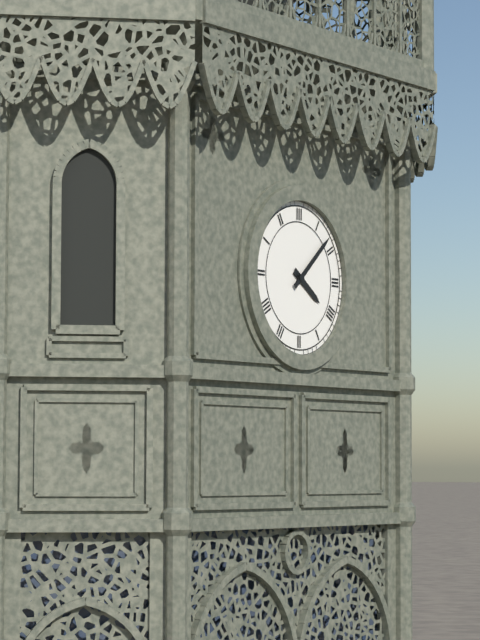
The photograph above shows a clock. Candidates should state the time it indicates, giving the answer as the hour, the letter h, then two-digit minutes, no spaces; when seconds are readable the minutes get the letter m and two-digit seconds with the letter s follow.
4h08
